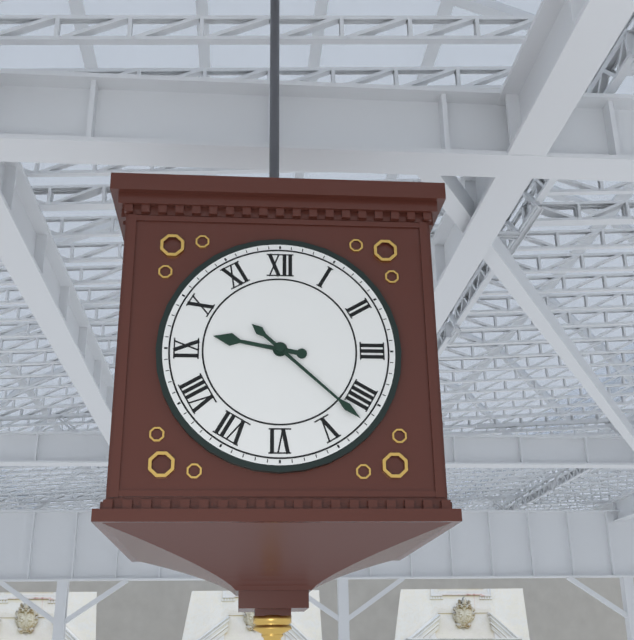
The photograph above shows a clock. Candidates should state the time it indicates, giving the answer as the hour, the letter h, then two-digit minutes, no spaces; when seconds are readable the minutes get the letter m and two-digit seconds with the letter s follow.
9h22
